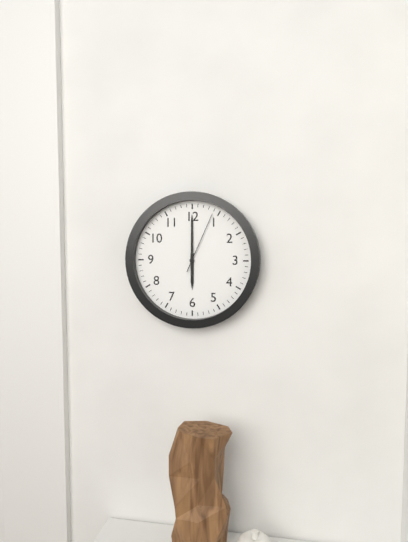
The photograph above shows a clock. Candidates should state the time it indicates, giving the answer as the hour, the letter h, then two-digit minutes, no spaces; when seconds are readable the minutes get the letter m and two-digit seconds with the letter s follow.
6h00m04s
